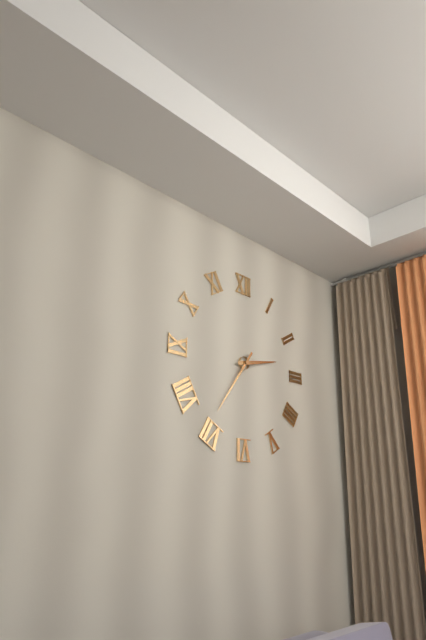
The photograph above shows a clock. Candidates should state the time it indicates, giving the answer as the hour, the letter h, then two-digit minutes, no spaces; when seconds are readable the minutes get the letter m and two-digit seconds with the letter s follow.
2h36
